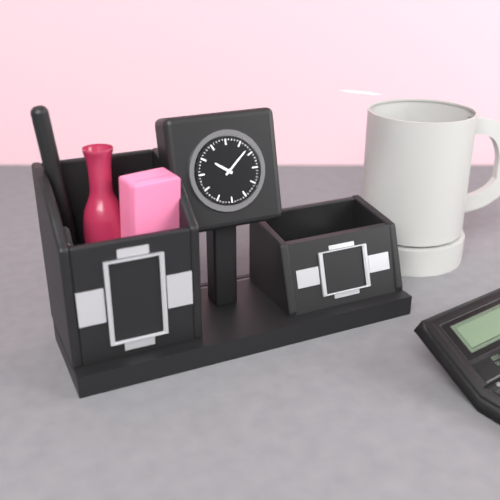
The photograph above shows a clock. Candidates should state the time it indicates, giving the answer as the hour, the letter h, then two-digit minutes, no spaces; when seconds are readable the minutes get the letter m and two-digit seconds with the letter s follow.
10h08
